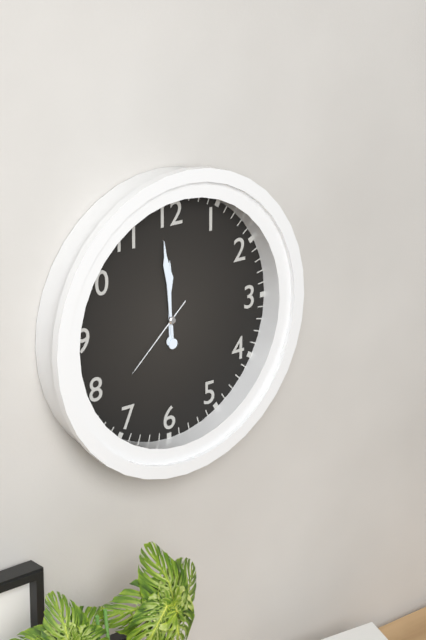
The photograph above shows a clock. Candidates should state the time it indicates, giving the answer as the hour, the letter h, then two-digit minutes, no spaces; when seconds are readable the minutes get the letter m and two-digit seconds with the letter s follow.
11h59m38s
